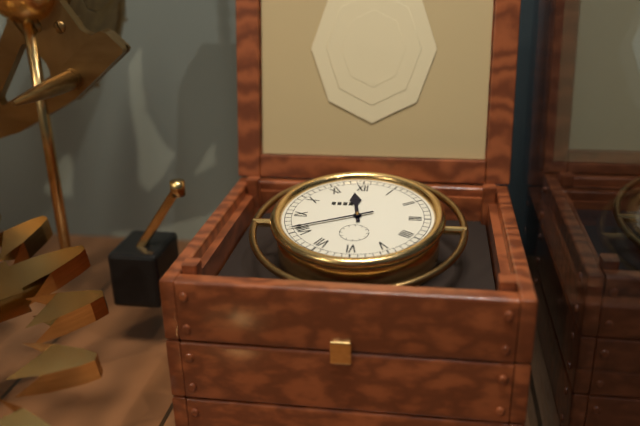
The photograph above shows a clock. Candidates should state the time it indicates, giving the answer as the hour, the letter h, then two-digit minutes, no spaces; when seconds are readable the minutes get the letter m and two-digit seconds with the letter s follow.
11h41
